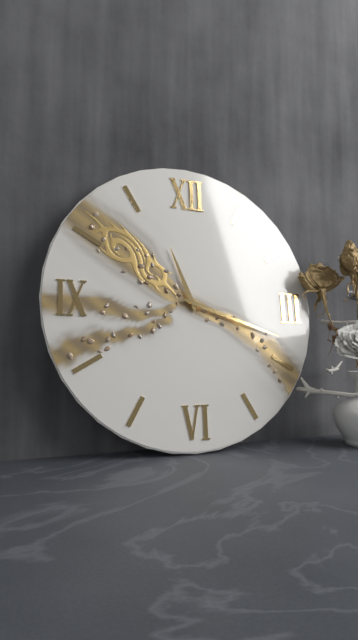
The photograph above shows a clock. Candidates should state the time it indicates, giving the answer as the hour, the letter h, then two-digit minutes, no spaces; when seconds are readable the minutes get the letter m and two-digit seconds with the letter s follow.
11h18
